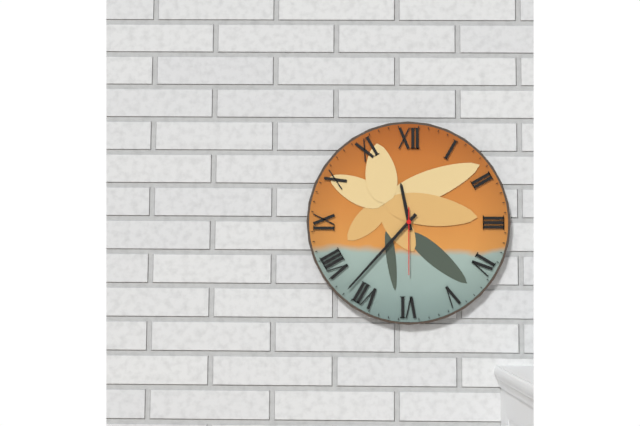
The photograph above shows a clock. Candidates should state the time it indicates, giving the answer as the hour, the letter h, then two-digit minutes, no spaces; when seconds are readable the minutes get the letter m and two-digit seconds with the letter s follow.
11h37m30s
